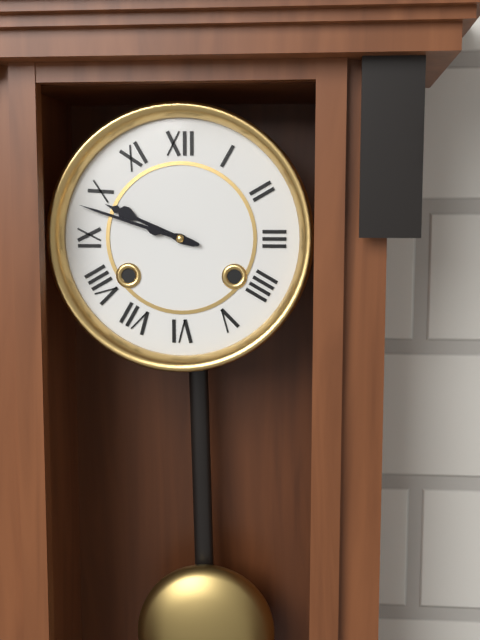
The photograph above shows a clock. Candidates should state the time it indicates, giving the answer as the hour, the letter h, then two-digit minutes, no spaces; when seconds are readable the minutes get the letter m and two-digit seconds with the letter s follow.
9h48
